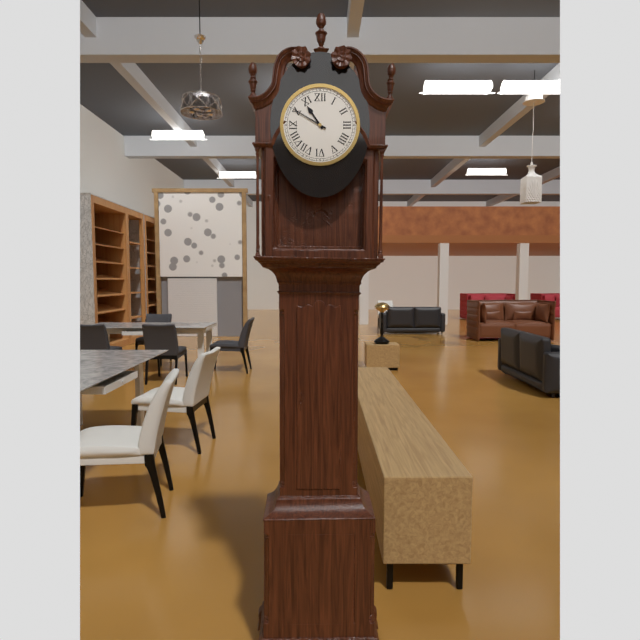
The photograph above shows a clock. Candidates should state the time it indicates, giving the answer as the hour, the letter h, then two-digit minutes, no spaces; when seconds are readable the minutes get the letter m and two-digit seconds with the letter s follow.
10h50
